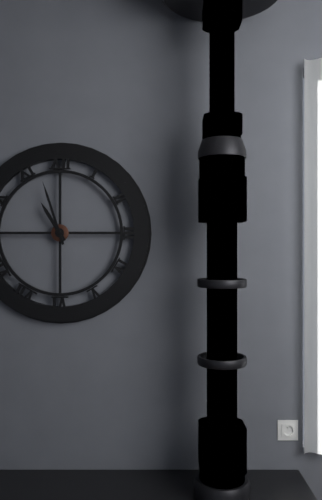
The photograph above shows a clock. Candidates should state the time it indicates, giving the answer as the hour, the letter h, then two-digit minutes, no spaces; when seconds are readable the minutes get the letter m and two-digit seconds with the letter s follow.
10h57
